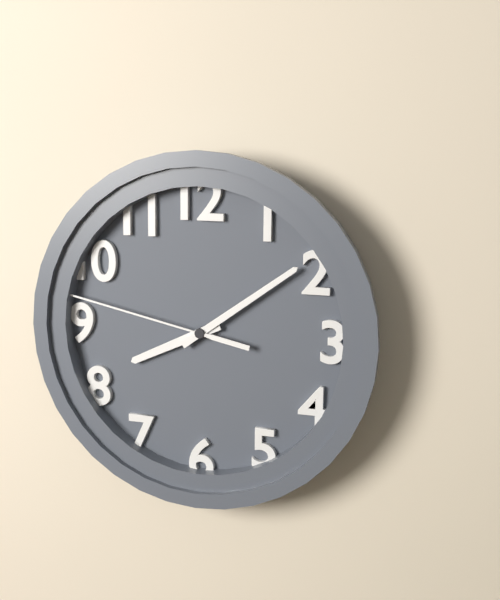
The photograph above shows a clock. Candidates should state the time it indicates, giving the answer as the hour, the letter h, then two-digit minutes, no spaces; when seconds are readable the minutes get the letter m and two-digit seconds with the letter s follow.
8h09m47s
